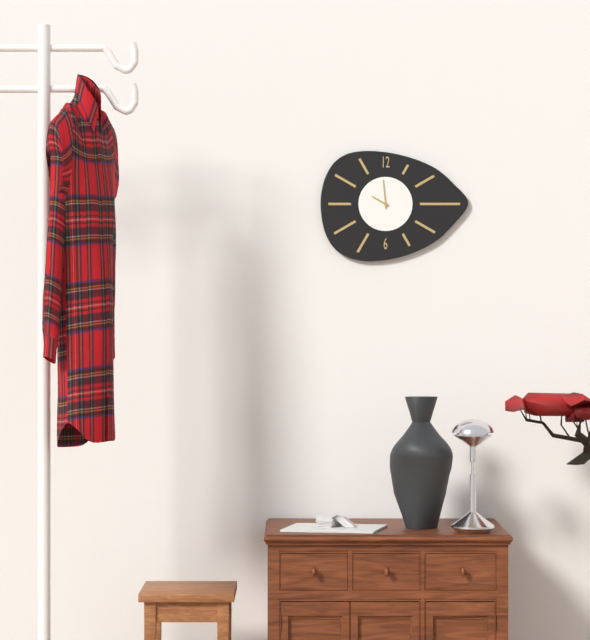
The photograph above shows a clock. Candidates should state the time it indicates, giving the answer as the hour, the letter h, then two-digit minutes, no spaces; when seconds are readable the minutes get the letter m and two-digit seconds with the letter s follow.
9h59
